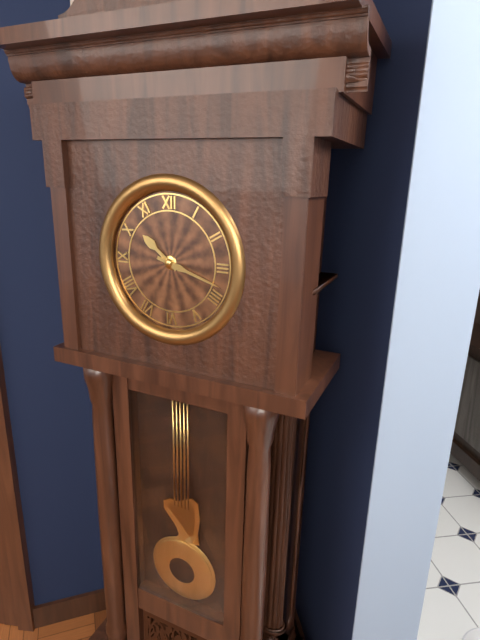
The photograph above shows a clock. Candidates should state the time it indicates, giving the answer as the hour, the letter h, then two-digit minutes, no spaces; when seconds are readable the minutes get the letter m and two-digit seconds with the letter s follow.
10h18
